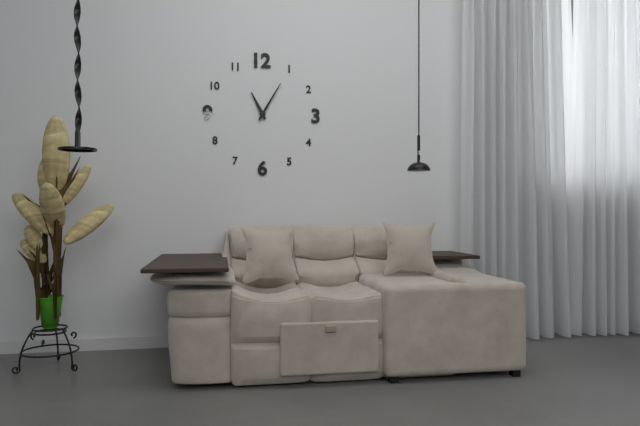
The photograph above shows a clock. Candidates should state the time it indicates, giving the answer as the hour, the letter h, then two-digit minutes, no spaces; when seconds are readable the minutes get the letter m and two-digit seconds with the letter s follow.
11h05
